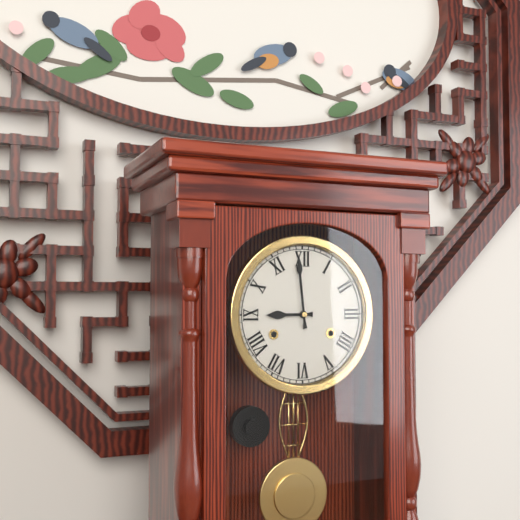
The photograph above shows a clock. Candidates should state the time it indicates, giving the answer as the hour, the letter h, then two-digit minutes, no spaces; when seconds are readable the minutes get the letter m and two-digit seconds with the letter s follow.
8h59
